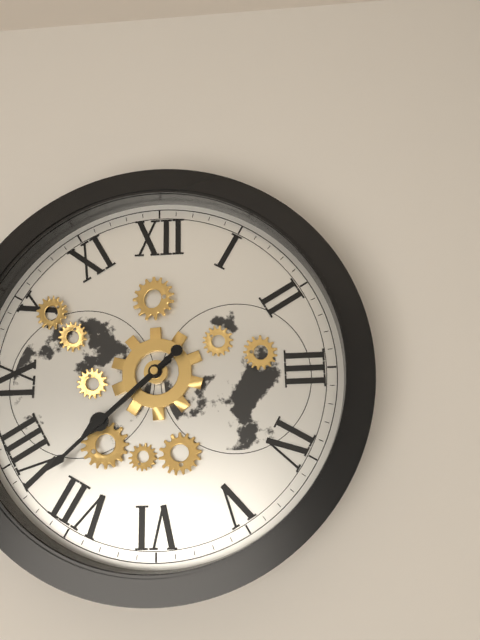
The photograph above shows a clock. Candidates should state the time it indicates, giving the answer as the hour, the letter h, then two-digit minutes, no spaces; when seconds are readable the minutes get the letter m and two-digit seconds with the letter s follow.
7h38
